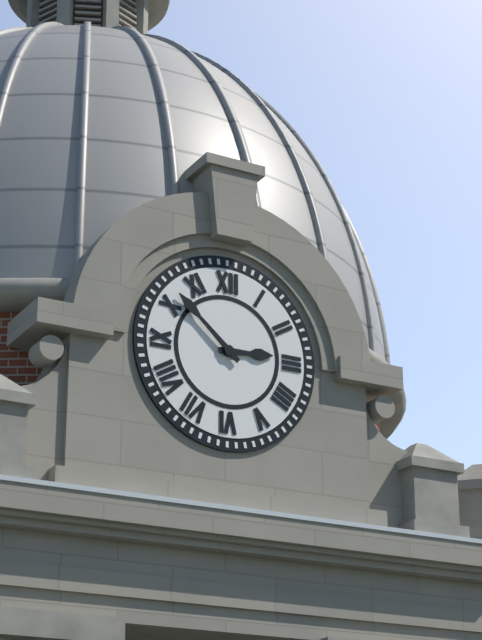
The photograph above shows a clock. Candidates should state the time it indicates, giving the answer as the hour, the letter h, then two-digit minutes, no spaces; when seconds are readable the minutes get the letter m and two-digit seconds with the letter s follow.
2h52
